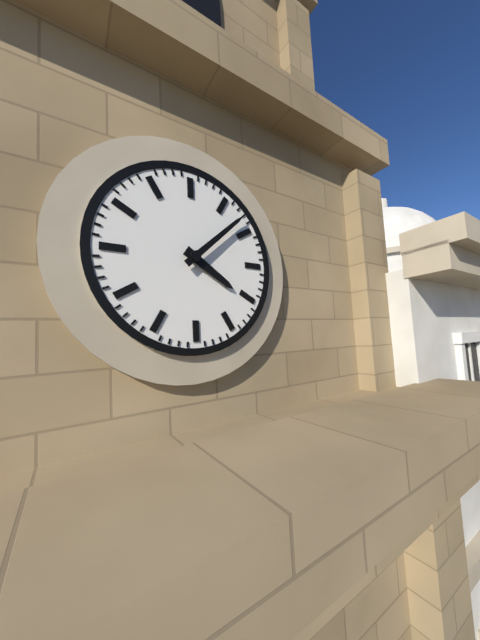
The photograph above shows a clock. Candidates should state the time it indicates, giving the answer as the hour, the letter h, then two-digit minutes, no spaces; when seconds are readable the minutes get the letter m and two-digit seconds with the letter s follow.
4h08
